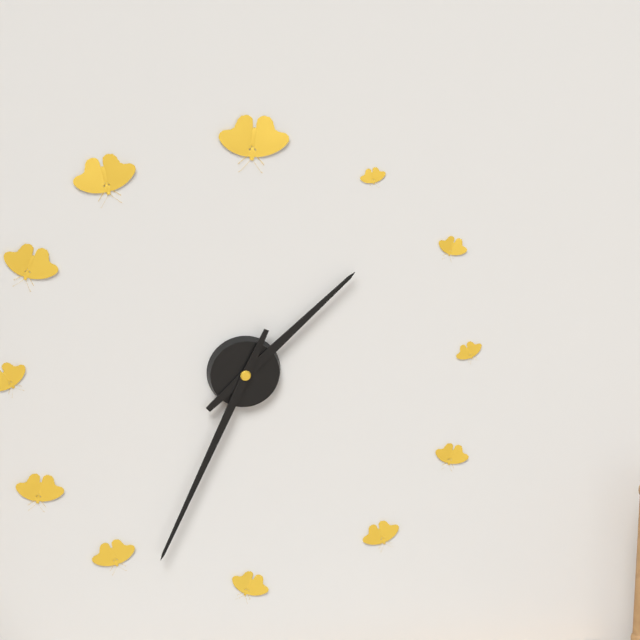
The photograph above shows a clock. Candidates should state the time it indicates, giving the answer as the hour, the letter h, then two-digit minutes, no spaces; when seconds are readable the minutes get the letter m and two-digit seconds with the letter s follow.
1h34
